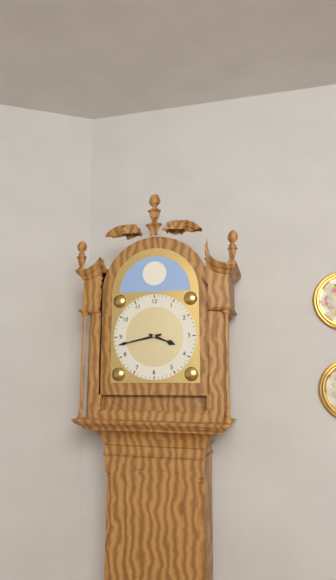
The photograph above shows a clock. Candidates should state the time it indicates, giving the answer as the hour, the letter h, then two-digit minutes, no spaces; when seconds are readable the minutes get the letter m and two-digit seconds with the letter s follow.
3h43
